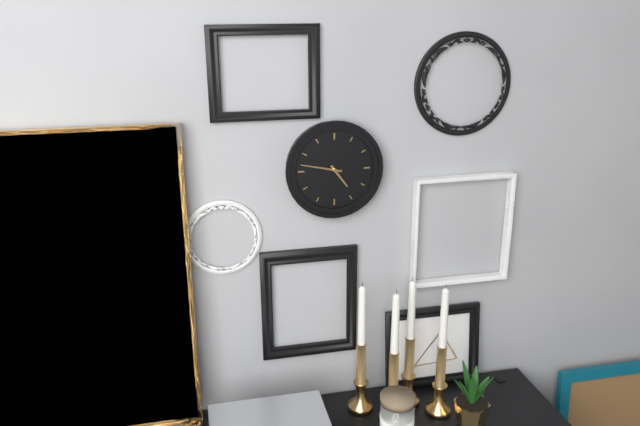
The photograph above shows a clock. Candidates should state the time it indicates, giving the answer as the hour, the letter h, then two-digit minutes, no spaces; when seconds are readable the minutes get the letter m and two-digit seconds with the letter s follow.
4h47
